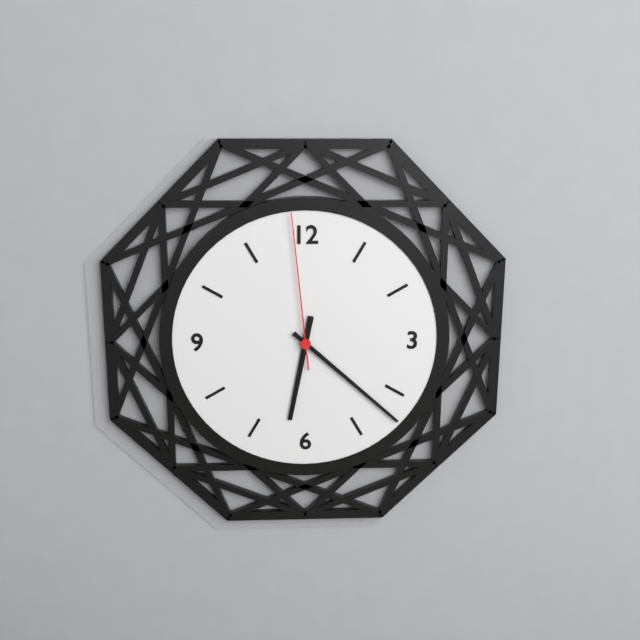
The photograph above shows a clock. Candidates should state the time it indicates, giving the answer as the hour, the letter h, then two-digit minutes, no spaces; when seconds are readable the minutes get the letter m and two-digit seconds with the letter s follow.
6h22m59s
